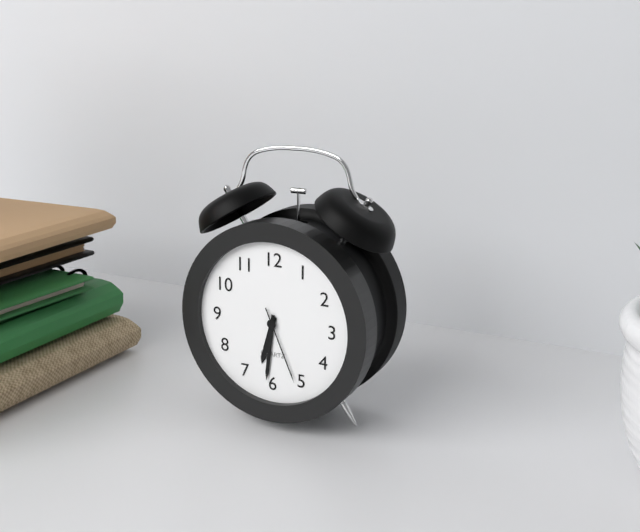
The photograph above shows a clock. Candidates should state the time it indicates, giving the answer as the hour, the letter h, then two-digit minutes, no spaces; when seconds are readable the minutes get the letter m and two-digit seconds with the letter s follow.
6h31m26s
